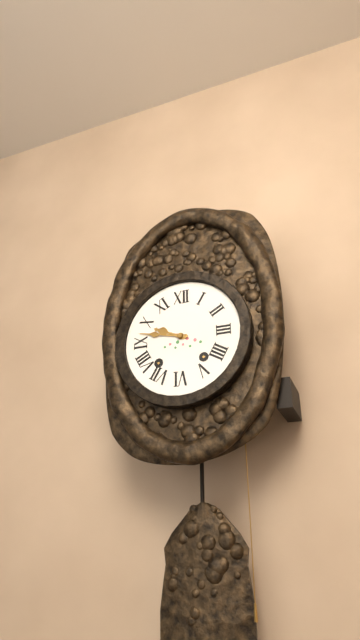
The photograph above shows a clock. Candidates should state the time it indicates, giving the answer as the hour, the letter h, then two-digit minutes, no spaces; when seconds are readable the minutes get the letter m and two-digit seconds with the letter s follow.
9h47
